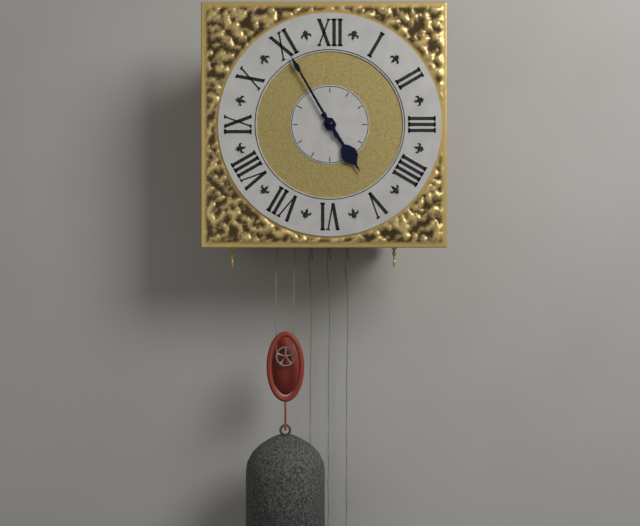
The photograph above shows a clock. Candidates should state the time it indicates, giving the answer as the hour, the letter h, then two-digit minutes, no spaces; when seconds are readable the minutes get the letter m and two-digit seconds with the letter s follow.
4h55
